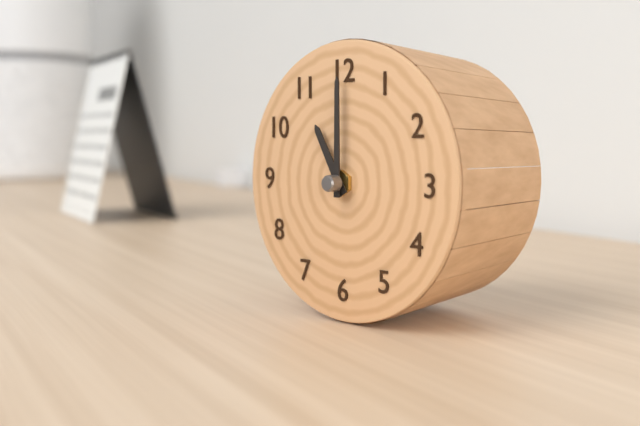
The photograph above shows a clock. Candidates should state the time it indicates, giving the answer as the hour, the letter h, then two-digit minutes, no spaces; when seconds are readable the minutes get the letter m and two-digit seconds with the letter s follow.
11h00
